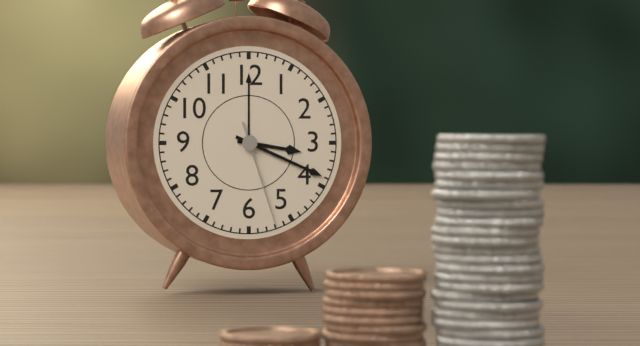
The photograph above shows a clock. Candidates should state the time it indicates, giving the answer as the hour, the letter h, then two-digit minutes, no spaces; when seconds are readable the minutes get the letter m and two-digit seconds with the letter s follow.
3h19m27s
